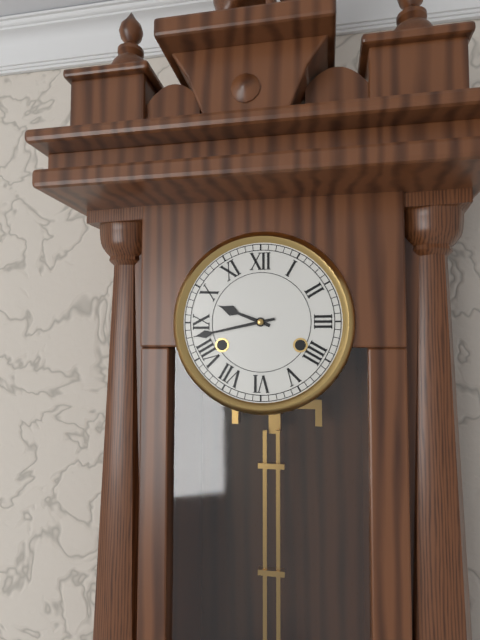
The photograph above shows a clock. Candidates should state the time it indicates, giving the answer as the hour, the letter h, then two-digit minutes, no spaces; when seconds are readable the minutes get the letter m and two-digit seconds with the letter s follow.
9h43
